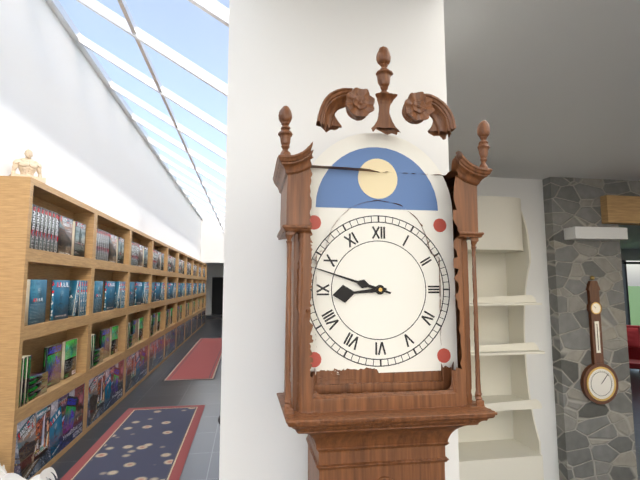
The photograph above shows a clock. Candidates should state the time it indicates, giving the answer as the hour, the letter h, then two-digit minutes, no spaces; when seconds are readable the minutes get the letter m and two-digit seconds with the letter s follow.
8h48
